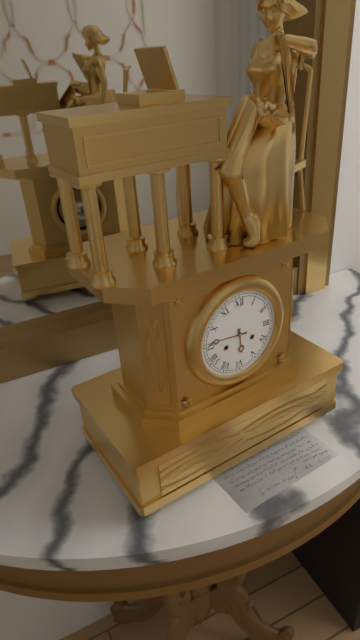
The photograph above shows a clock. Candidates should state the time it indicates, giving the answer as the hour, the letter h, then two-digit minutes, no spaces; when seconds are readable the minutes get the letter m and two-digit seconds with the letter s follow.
5h46
